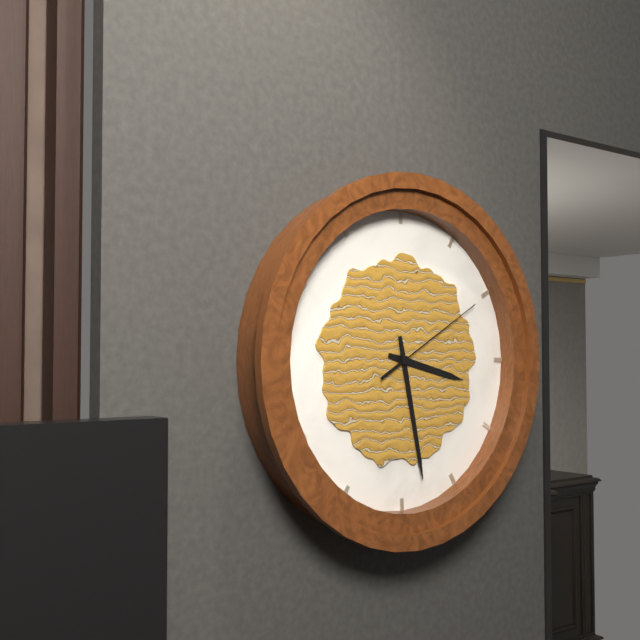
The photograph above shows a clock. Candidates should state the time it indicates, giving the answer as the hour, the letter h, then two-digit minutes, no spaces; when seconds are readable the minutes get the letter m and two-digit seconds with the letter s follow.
3h28m10s
